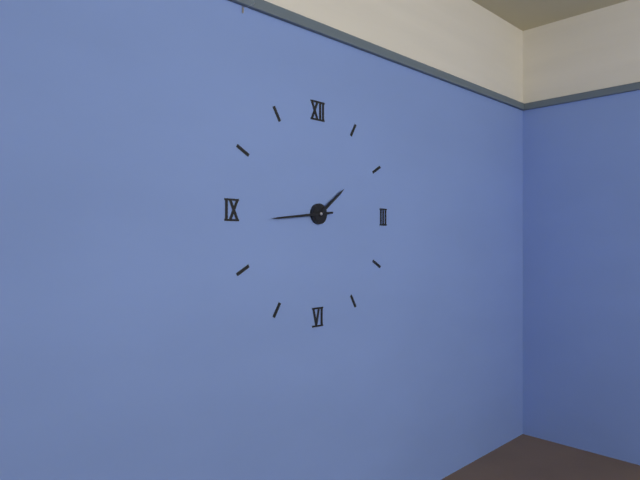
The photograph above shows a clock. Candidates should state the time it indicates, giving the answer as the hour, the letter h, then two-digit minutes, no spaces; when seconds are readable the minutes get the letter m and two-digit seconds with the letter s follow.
1h44
